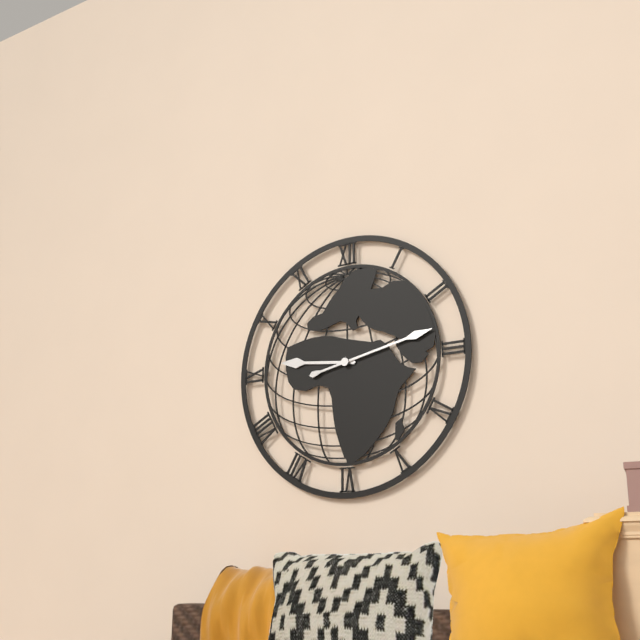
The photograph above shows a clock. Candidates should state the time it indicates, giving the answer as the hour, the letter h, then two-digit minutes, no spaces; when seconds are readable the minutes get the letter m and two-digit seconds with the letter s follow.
9h13
